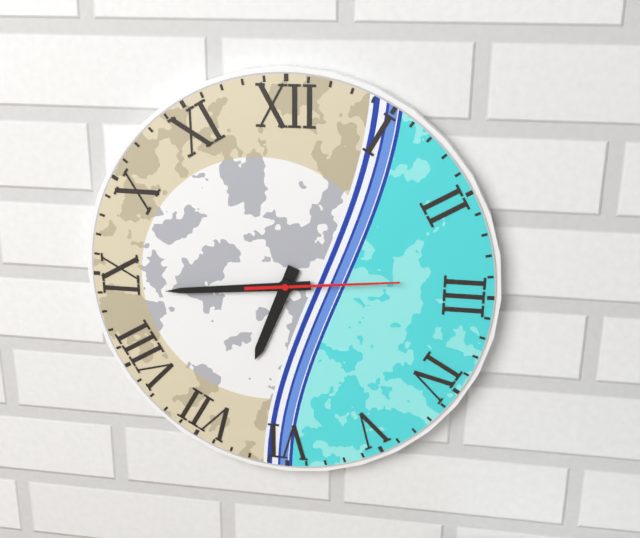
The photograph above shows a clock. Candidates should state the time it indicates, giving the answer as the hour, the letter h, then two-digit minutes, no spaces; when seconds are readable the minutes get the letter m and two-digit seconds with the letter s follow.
6h44m14s
